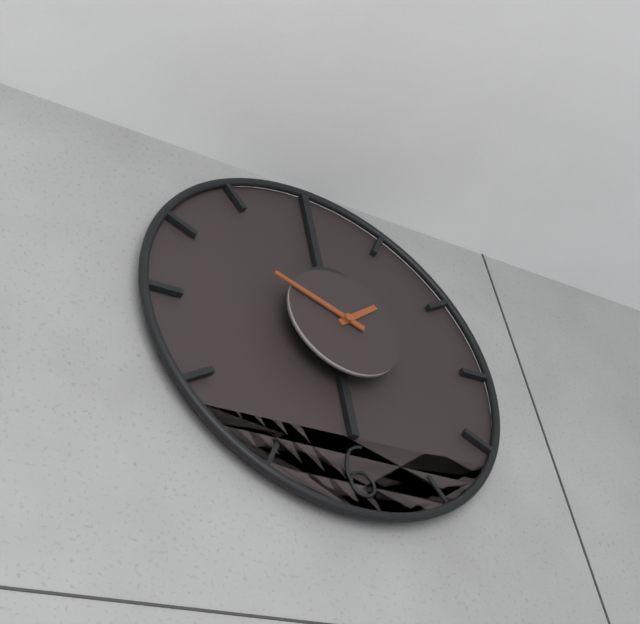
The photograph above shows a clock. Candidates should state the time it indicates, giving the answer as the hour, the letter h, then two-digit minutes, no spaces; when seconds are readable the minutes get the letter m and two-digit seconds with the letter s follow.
1h49
